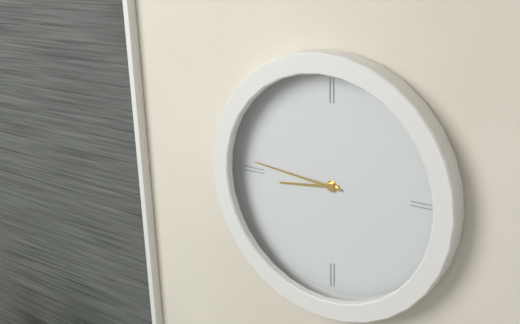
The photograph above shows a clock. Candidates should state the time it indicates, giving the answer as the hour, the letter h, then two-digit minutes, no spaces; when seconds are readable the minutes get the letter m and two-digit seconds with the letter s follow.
8h46
